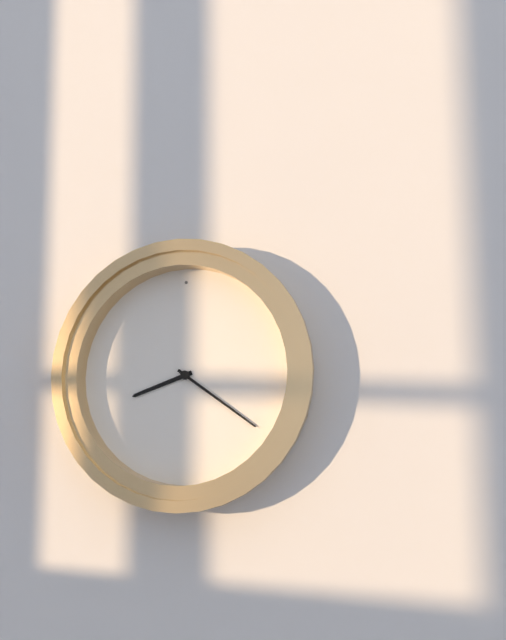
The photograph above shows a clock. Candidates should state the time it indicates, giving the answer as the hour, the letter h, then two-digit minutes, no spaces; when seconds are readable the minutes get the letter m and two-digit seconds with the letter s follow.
8h21
